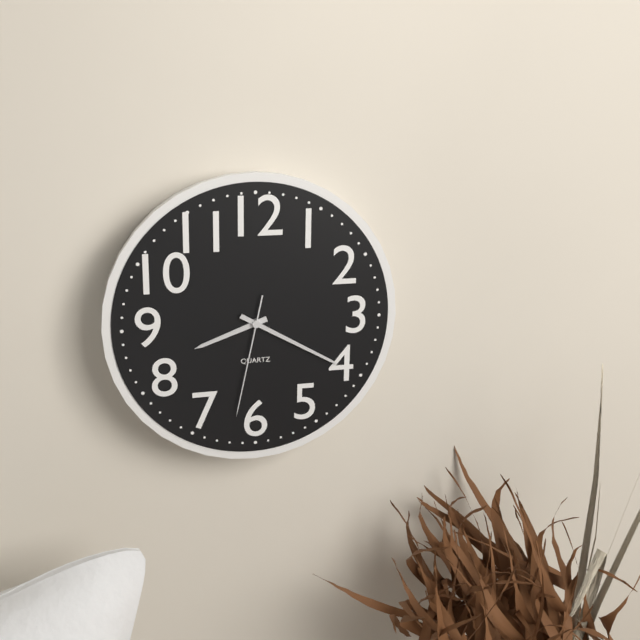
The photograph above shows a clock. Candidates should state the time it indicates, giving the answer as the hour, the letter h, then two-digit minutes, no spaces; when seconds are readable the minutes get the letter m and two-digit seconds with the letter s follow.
8h20m32s
